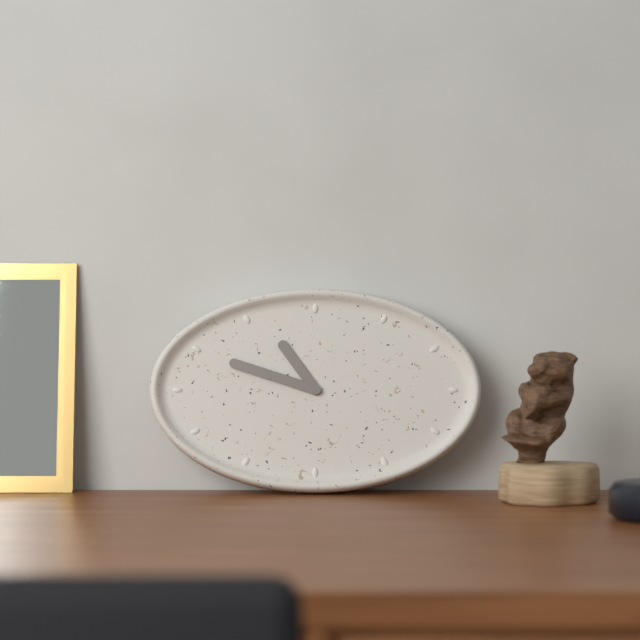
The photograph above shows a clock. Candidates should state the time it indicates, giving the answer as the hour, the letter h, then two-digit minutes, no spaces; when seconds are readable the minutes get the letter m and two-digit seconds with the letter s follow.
10h48
